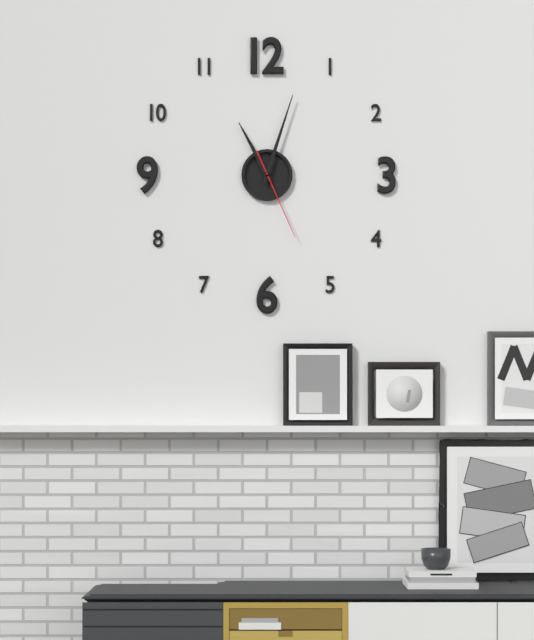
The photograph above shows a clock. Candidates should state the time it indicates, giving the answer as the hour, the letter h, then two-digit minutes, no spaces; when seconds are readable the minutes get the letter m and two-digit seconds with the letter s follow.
11h03m26s
